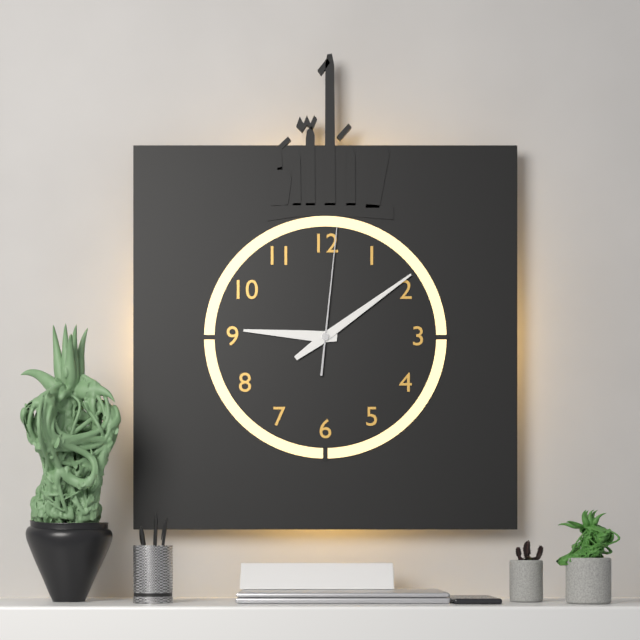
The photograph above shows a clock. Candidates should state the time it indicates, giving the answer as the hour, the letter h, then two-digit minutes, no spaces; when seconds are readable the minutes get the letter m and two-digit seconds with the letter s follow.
9h09m01s
